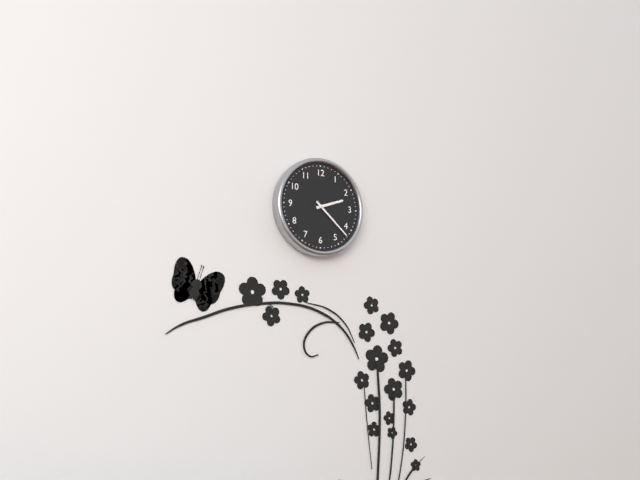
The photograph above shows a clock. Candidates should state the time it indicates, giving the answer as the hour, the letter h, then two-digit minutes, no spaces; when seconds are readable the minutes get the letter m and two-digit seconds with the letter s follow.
2h22
